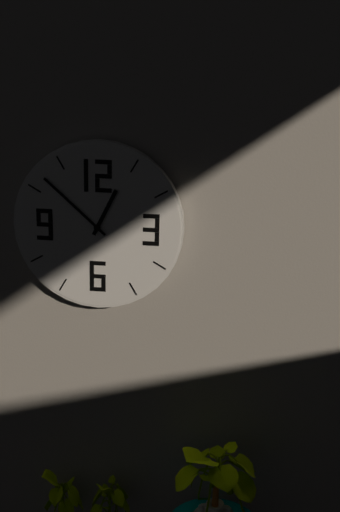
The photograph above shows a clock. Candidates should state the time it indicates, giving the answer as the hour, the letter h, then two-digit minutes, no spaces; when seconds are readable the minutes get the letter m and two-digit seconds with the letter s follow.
12h52
